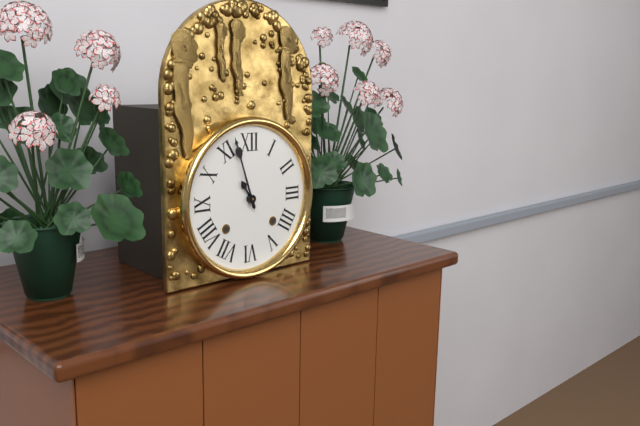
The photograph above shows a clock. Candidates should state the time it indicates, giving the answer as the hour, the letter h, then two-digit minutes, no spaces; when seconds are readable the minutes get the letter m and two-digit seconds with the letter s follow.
10h57
